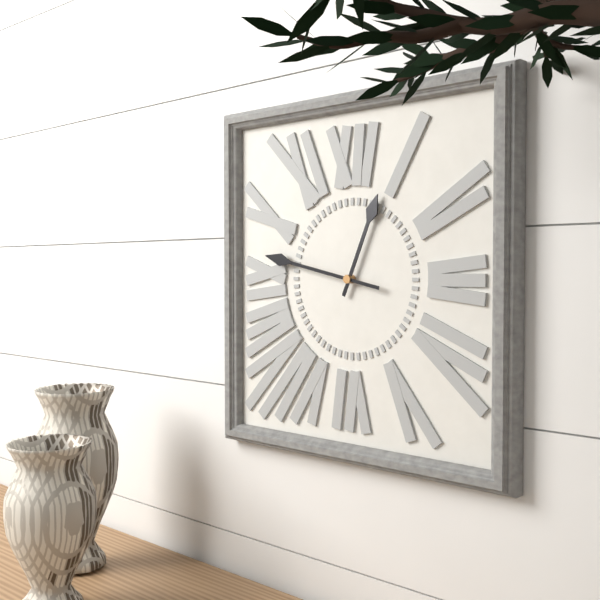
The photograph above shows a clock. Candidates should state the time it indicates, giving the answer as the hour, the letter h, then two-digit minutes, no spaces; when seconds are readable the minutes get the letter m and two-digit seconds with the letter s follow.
12h47
